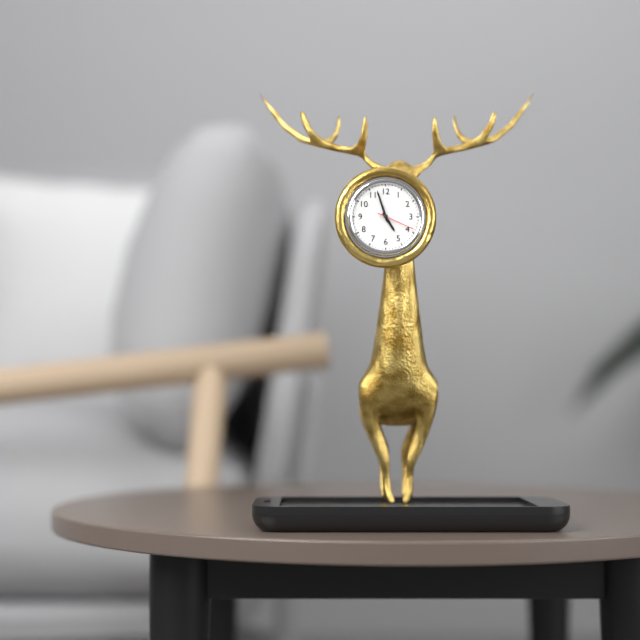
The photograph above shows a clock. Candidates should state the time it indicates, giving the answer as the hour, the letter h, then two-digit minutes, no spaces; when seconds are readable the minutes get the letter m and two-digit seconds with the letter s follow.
4h57
